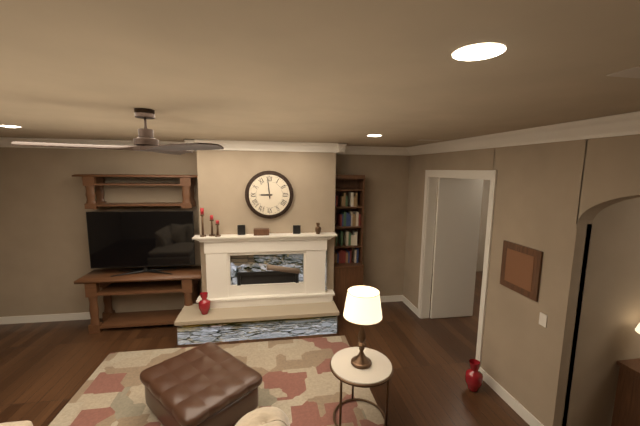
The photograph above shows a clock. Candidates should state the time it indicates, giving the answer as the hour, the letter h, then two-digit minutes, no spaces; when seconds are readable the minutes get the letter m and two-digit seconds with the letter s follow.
8h59
